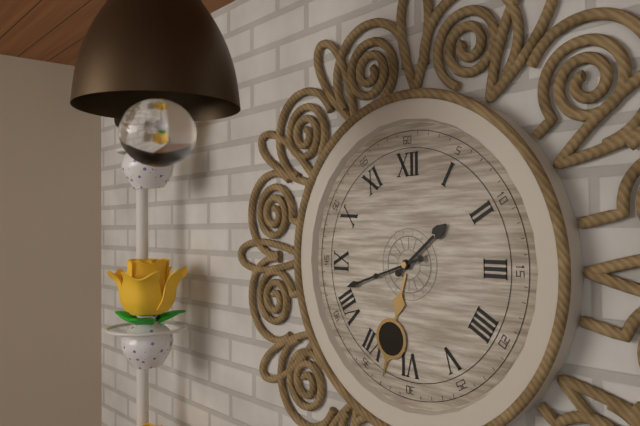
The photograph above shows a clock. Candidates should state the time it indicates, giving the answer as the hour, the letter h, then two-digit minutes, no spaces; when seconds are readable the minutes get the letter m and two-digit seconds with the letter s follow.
1h42
